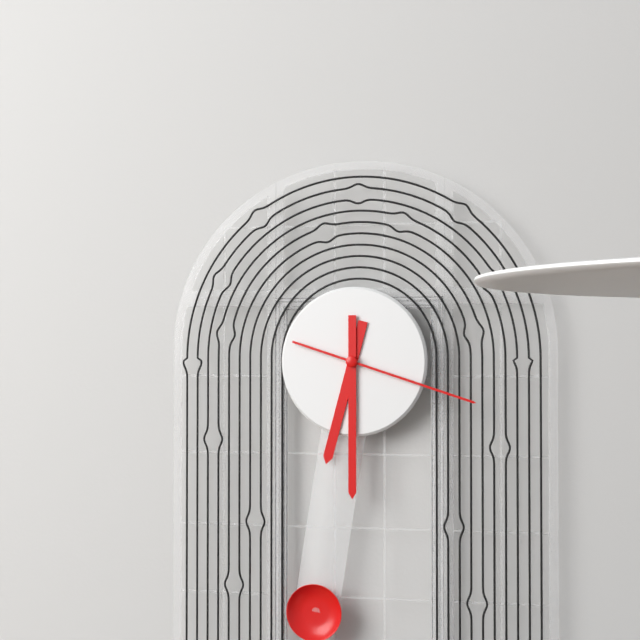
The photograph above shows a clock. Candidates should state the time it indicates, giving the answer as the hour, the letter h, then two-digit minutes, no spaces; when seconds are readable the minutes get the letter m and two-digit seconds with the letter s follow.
6h30m18s
